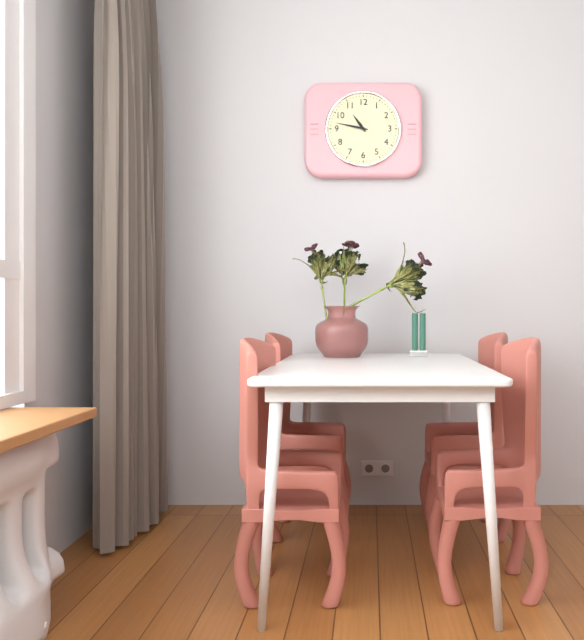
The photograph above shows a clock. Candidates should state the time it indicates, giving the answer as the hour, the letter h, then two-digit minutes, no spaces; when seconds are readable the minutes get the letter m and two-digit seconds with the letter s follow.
10h47
